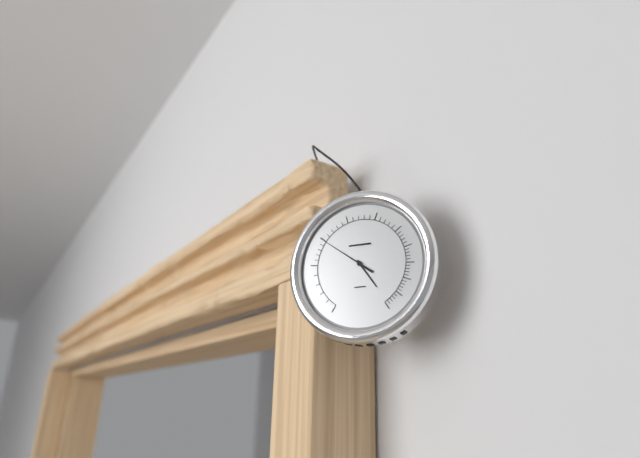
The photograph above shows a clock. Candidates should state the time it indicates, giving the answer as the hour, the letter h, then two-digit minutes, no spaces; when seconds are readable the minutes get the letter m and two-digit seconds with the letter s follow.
4h51
